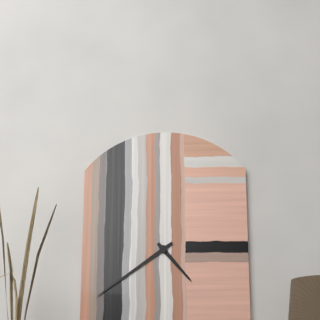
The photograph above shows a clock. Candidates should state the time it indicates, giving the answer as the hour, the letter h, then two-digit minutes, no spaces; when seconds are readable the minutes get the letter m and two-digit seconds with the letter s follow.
4h39
